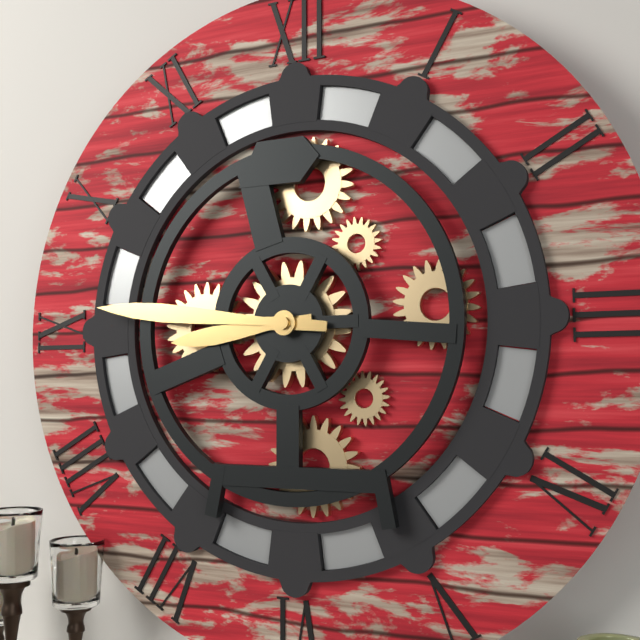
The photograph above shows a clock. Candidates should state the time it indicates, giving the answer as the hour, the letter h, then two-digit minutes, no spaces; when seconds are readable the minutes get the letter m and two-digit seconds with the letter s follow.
8h46
